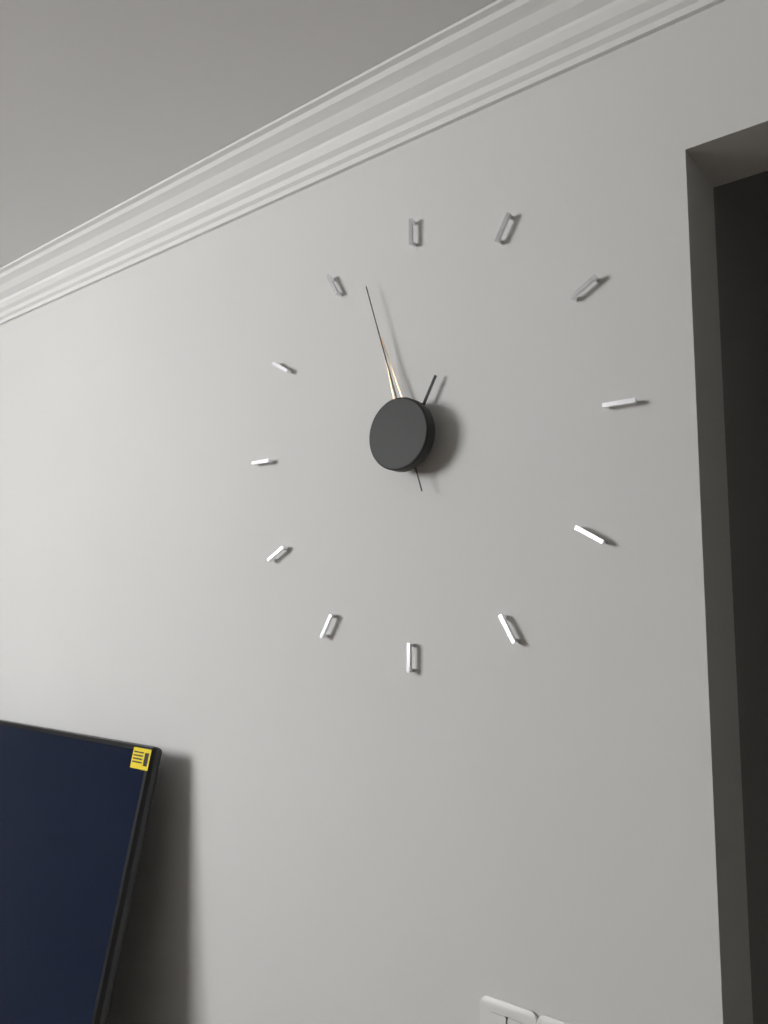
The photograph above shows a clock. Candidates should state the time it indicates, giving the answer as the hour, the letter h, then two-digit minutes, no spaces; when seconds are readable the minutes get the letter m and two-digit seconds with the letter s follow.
12h57m57s
